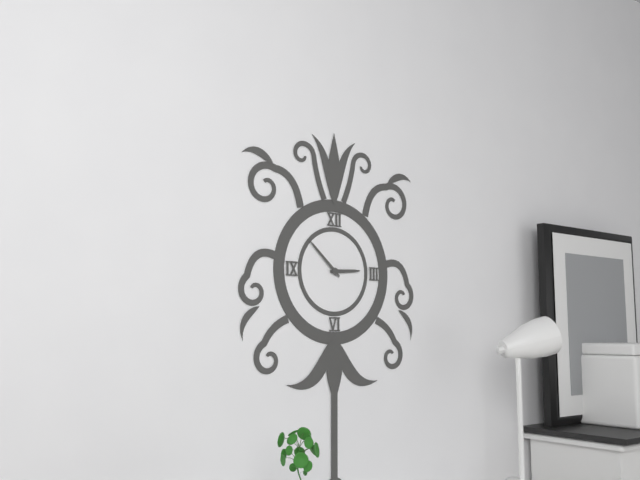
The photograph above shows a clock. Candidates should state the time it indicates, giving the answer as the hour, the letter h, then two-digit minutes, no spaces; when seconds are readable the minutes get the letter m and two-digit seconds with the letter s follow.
2h52
